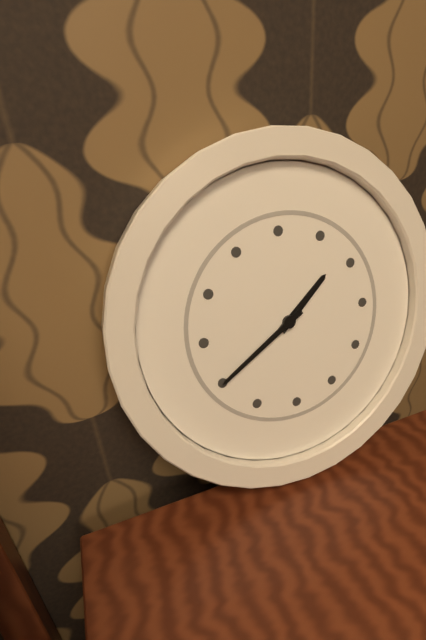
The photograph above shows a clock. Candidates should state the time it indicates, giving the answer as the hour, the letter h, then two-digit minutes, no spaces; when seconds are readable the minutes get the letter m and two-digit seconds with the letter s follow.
1h40
